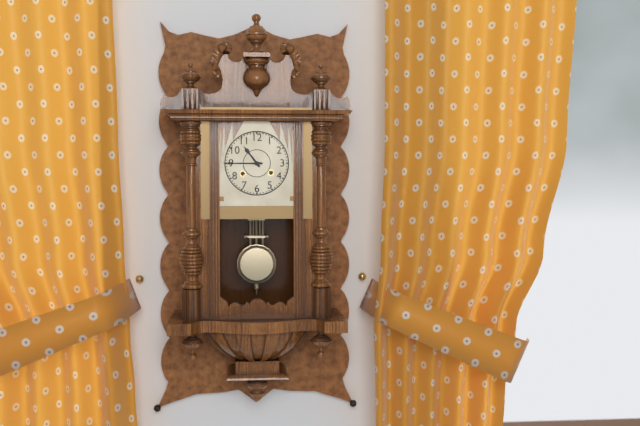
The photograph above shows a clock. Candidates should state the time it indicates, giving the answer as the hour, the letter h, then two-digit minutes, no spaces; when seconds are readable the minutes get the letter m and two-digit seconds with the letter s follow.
10h45
